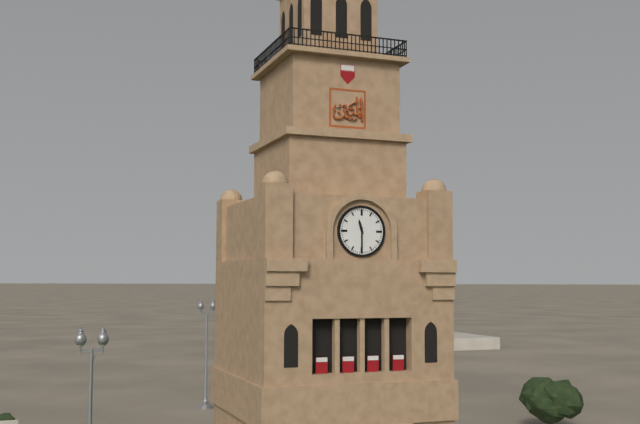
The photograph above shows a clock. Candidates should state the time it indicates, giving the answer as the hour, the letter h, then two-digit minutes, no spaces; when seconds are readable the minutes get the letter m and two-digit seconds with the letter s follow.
11h30
